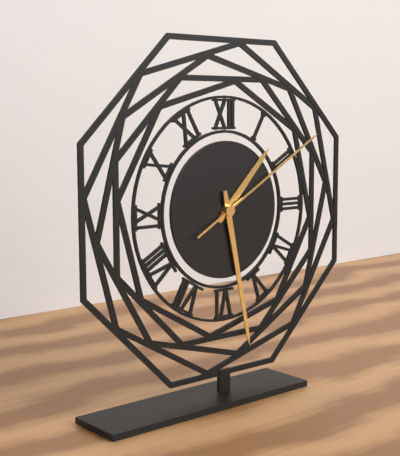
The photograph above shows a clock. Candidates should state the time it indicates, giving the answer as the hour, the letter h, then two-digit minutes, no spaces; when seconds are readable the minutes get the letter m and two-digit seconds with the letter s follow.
1h28m10s
